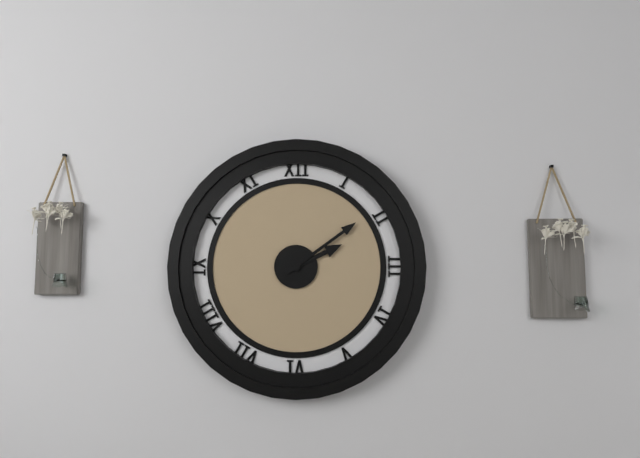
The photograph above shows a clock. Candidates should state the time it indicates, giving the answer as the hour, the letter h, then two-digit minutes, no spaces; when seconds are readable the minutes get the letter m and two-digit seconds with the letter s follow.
2h09
